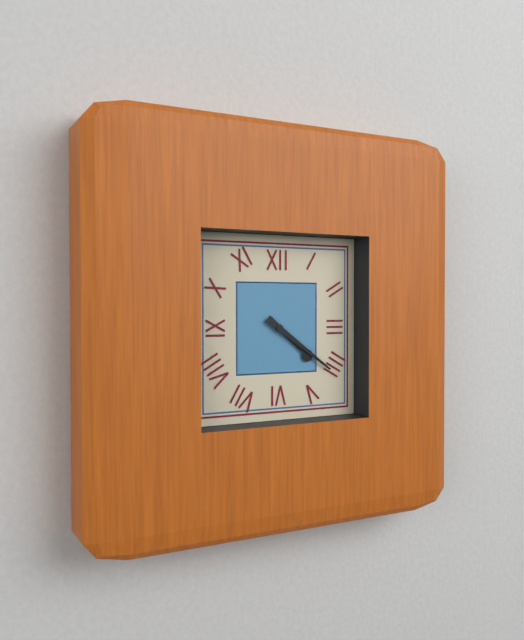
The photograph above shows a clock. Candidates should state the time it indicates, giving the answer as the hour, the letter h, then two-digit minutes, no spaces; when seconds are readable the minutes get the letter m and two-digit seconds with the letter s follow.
4h21
